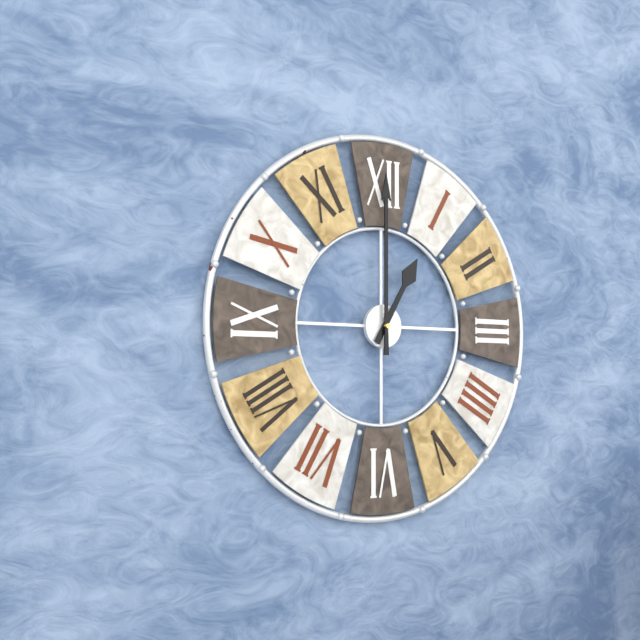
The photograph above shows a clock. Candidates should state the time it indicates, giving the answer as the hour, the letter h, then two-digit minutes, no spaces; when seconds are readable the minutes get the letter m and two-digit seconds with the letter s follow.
1h00
